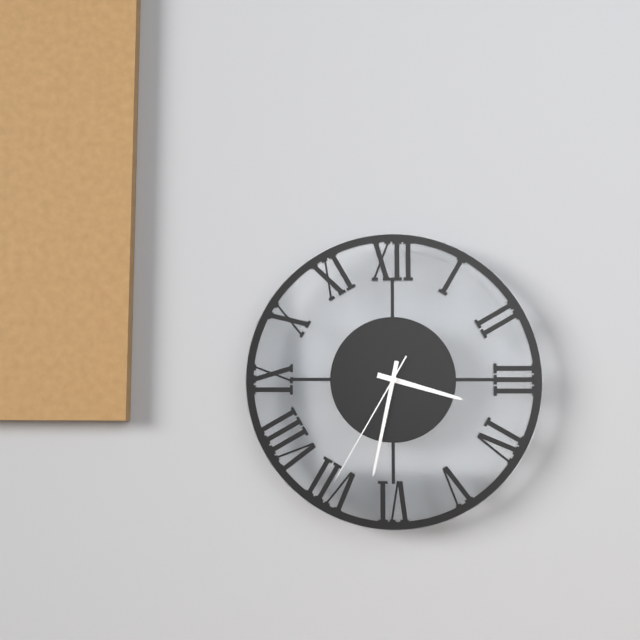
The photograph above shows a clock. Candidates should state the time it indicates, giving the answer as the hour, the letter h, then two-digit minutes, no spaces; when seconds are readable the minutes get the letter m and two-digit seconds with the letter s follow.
3h32m35s
